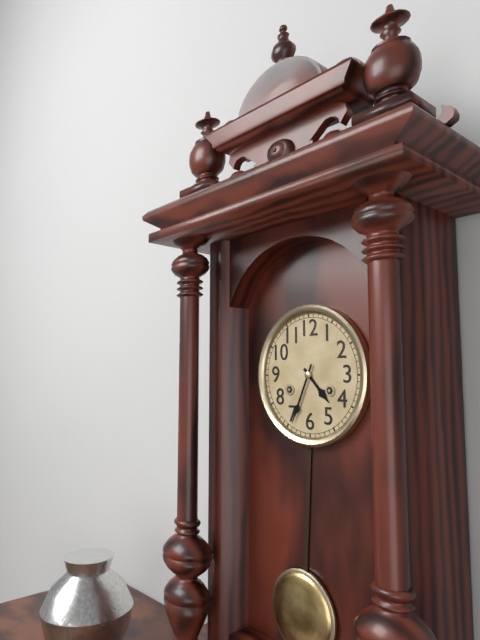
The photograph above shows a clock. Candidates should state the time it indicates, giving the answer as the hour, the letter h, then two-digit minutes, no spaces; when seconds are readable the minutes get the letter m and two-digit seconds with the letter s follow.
4h34
